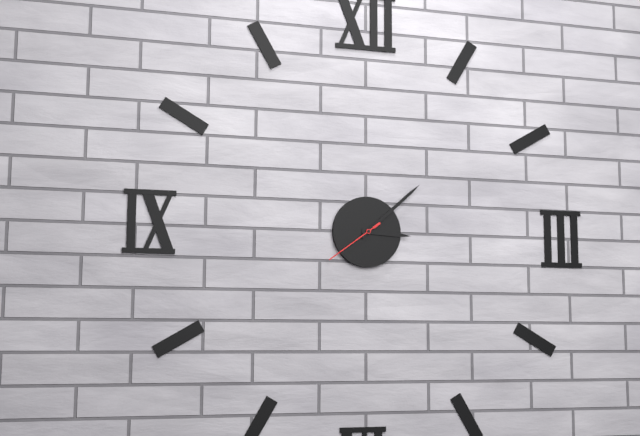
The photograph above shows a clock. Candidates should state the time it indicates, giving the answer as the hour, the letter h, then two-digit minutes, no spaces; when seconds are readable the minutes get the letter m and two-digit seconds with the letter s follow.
3h08m39s
